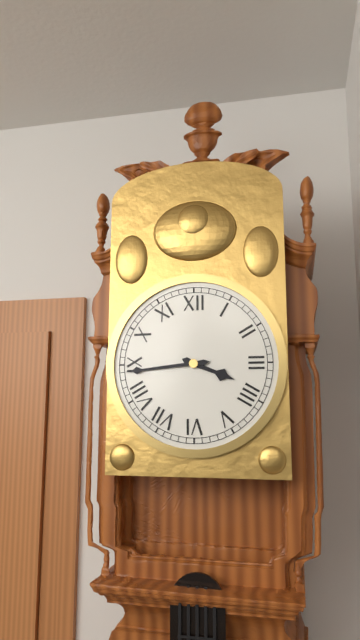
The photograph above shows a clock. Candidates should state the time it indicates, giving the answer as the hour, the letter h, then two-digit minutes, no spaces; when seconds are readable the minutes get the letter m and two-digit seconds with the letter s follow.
3h44
